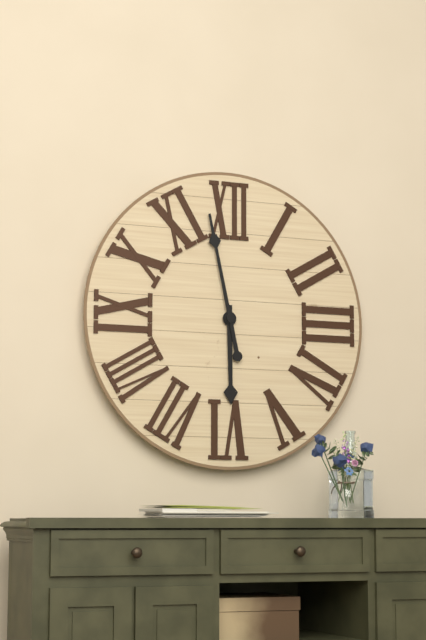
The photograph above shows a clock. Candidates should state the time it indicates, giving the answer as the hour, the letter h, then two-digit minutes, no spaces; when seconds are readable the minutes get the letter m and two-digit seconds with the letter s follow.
5h58
